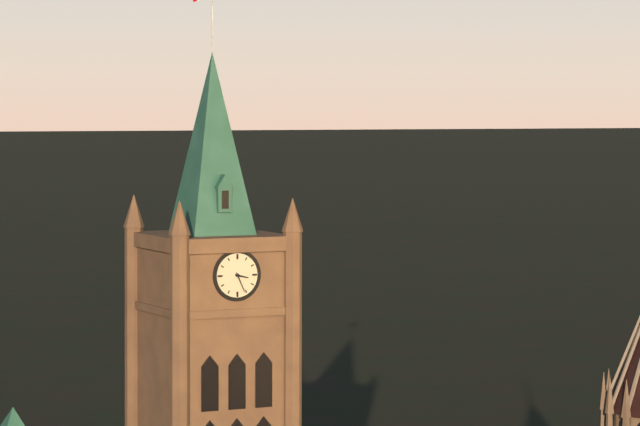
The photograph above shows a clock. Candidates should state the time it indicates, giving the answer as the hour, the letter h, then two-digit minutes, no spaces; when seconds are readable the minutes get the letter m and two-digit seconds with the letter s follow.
3h26
